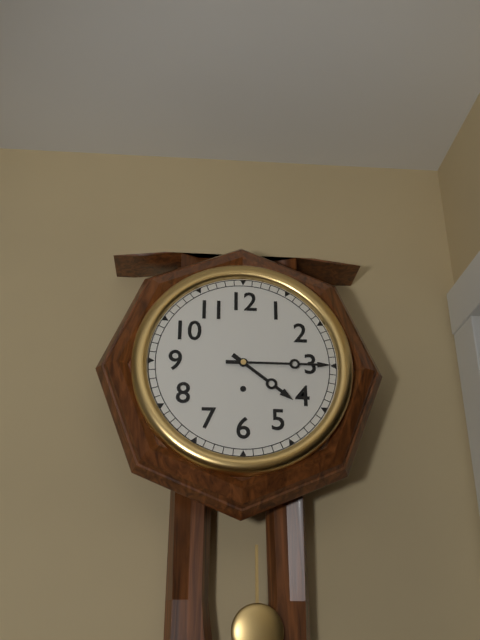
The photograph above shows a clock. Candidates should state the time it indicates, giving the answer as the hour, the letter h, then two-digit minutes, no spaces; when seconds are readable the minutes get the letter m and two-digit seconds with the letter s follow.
4h15
